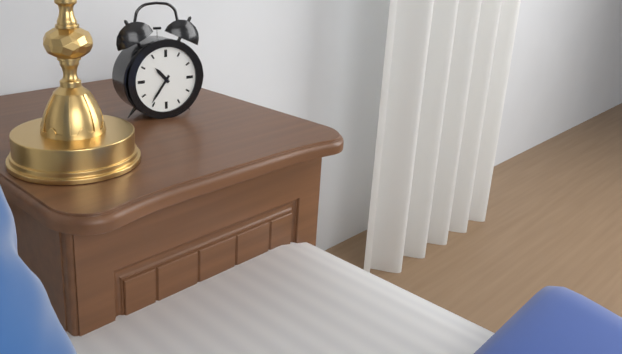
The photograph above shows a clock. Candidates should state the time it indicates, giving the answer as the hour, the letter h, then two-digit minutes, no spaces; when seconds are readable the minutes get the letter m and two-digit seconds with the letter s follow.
10h36
